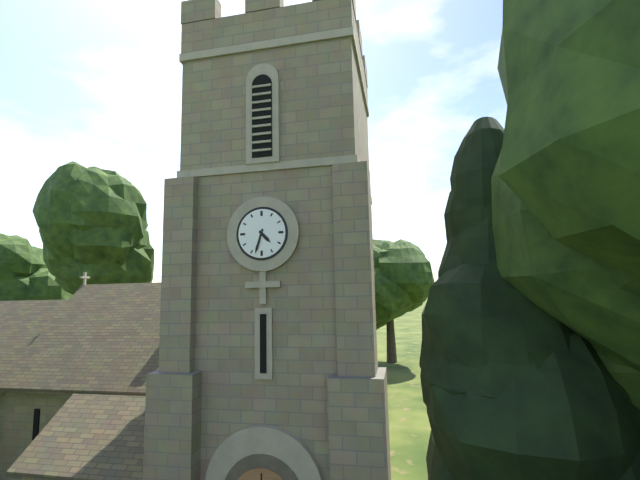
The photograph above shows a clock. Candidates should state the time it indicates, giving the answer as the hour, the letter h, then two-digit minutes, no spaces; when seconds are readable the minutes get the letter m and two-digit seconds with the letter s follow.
4h33
